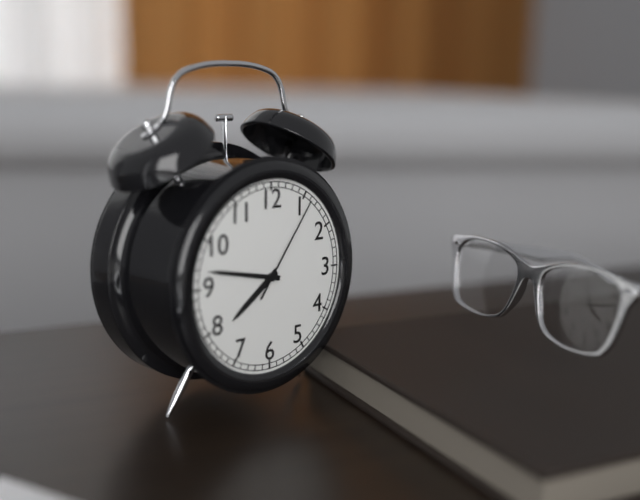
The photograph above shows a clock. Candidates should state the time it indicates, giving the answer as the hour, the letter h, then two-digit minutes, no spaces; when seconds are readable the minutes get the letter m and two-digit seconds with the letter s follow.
7h47m06s
